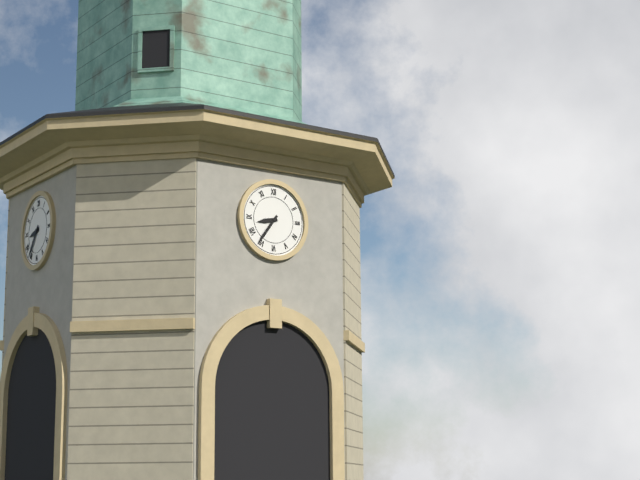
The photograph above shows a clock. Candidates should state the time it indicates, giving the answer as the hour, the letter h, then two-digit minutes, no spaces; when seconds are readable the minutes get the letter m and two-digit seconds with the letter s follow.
8h36
